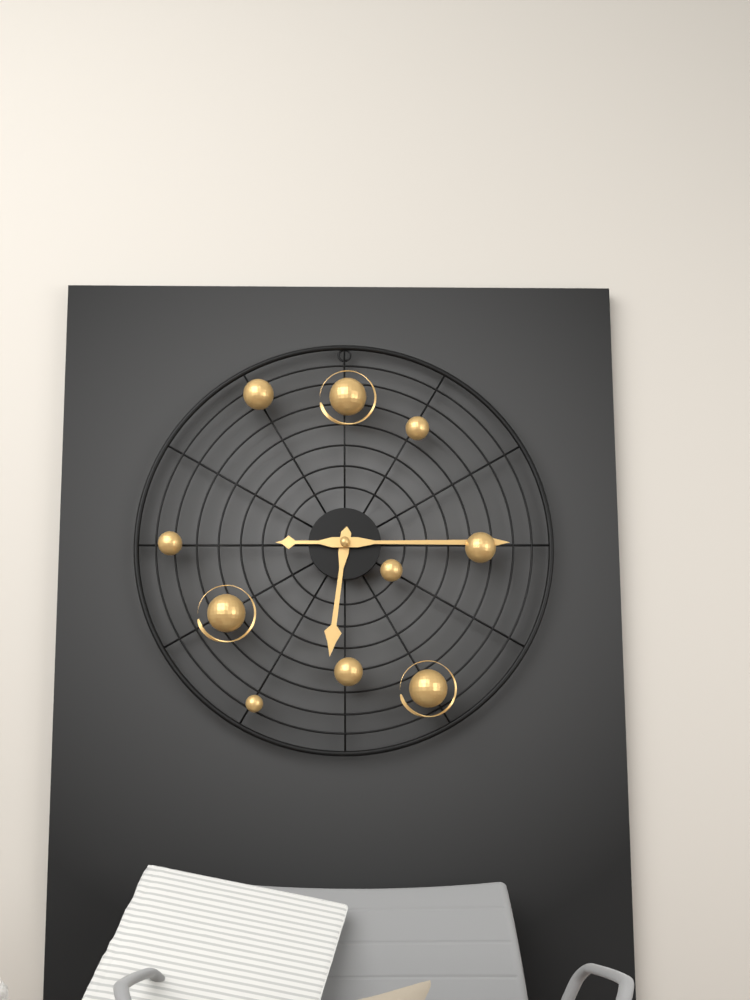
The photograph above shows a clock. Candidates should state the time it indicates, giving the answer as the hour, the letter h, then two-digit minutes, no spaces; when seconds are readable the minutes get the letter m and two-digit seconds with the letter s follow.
6h15
